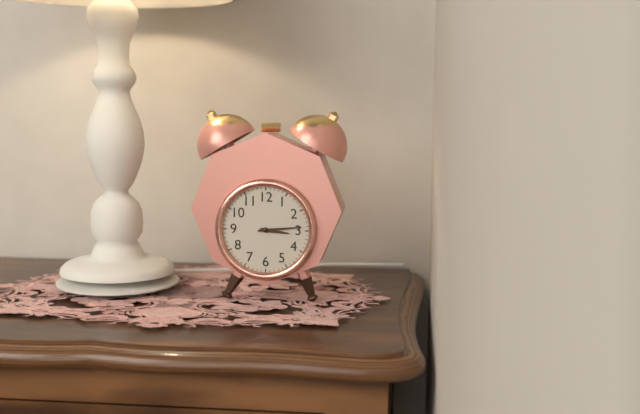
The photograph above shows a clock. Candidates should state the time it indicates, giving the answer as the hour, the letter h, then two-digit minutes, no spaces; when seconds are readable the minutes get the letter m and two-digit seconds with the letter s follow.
3h14
